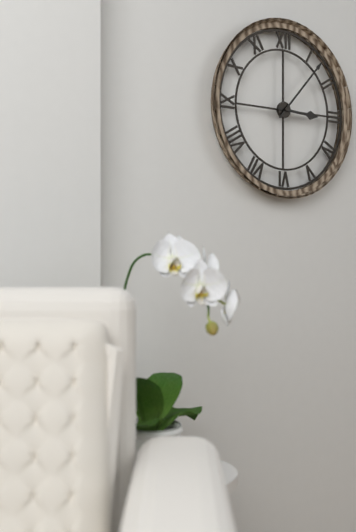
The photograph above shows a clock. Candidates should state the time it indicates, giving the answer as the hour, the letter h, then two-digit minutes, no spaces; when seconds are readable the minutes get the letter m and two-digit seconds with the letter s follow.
3h07
